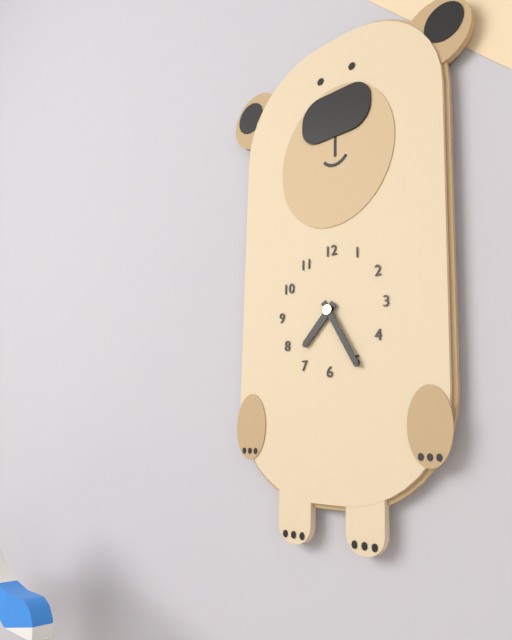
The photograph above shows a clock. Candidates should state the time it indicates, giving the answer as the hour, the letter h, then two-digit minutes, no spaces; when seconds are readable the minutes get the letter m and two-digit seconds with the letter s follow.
7h25
